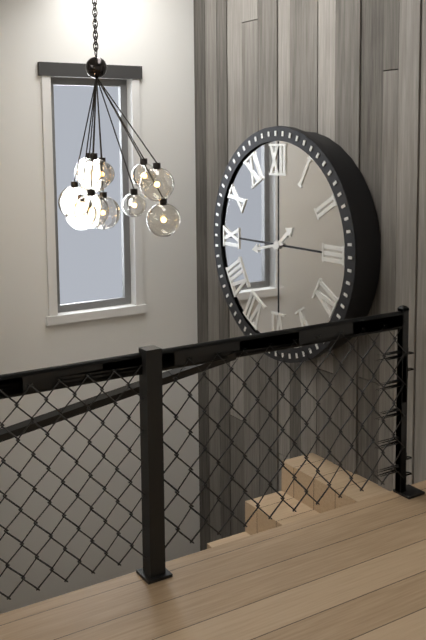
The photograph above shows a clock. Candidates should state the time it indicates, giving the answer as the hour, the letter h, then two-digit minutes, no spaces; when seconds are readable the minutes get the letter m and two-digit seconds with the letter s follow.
1h43
